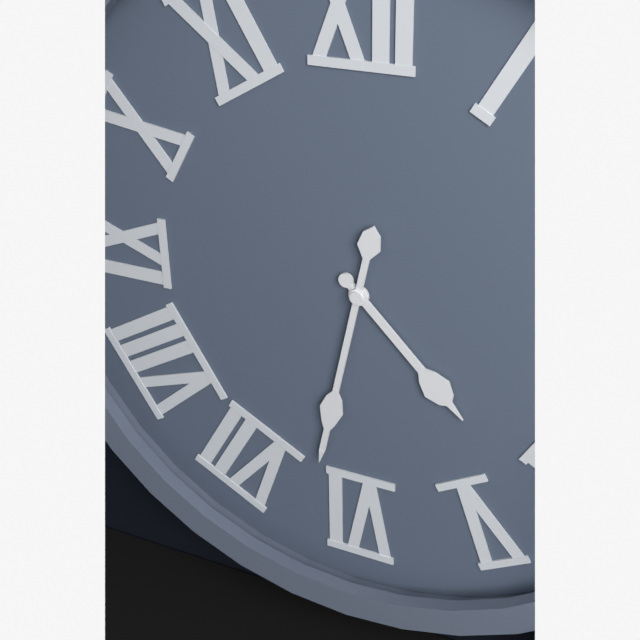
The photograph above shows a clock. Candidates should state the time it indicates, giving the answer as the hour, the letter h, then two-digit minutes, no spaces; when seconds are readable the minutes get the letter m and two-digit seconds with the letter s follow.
4h32
